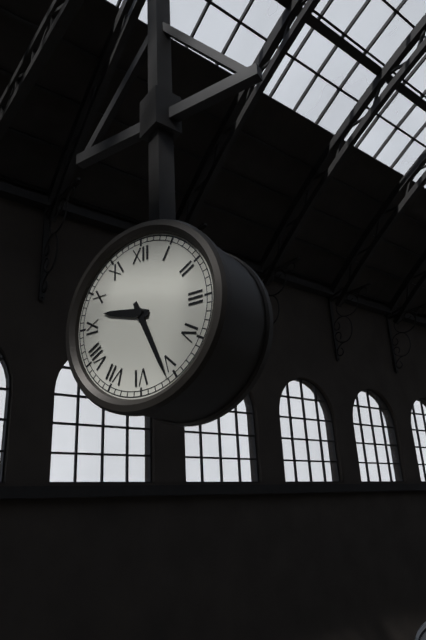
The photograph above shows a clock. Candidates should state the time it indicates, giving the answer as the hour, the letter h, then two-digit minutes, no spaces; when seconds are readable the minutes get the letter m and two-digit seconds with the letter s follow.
9h26
